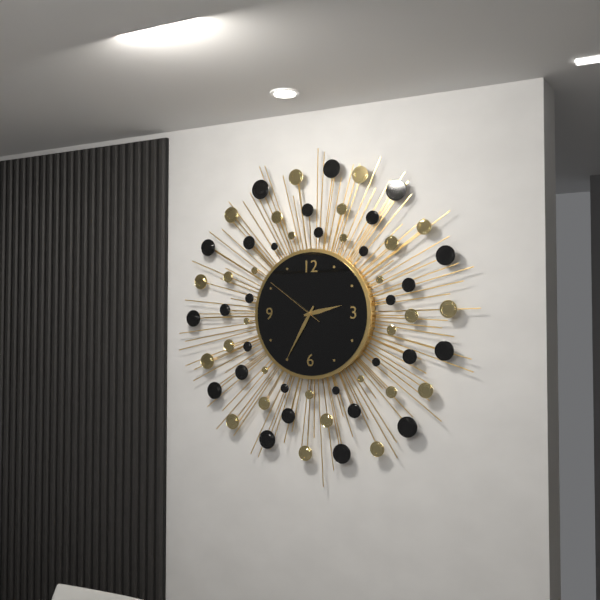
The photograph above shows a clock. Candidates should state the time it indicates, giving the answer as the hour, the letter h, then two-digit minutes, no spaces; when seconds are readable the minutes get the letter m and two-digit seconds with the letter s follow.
2h35m51s
